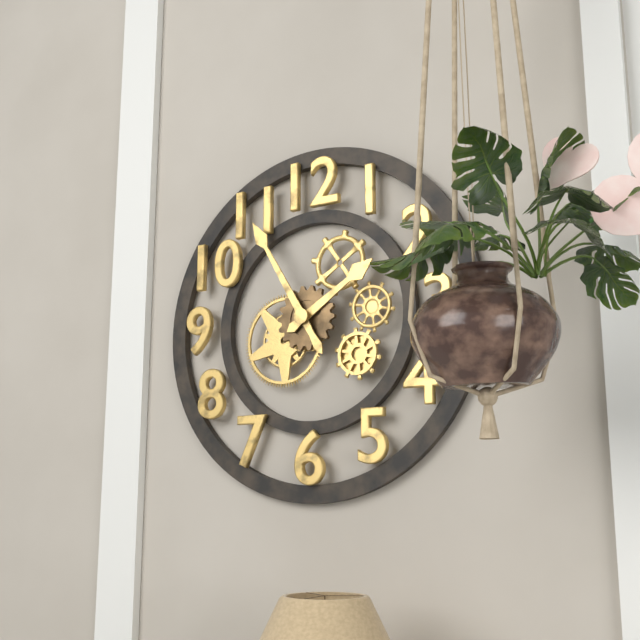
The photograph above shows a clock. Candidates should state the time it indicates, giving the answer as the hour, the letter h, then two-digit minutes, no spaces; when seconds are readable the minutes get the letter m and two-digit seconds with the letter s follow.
1h55
